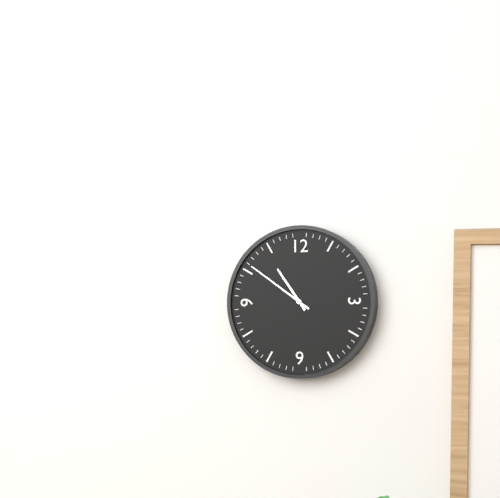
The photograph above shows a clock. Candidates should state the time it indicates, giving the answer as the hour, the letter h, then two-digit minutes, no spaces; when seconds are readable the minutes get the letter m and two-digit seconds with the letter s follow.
10h51
